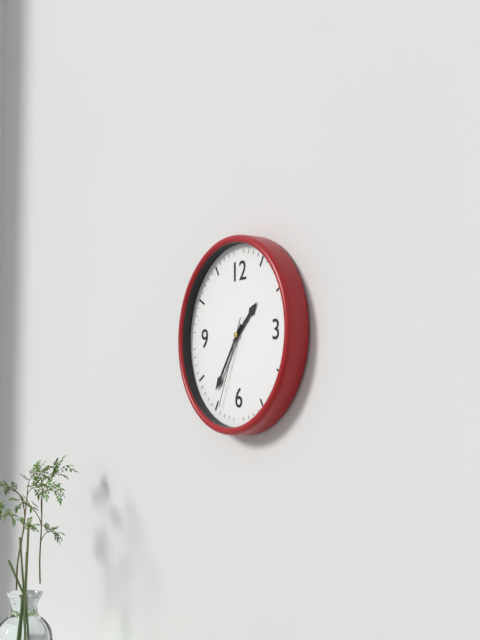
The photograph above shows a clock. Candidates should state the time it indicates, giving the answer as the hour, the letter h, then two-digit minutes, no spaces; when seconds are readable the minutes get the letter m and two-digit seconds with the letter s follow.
1h36m34s
